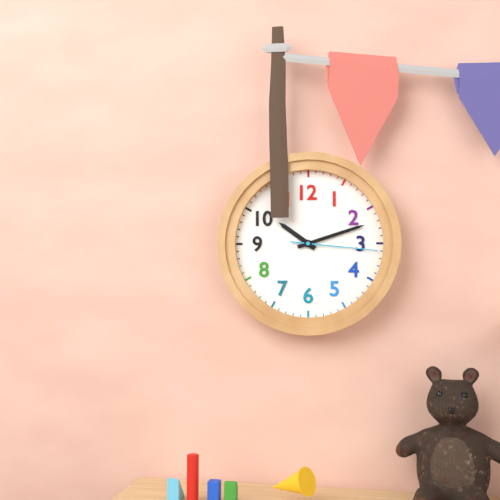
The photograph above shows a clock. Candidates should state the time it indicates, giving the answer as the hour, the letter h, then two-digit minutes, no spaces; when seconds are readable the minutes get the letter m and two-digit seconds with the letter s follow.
10h12m16s
